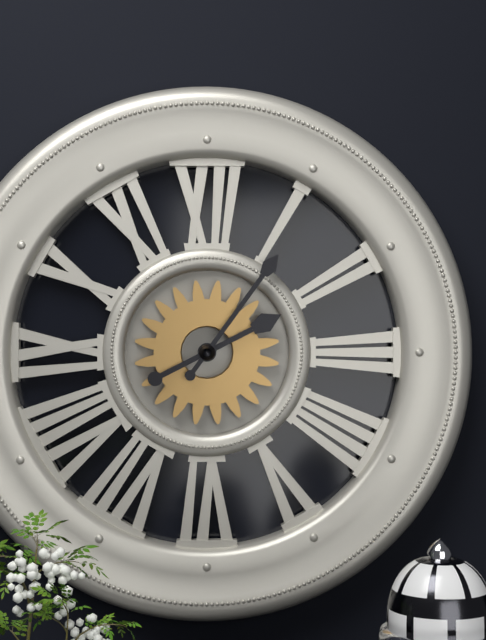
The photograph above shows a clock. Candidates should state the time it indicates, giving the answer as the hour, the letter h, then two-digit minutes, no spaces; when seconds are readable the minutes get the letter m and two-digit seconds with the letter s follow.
2h06
